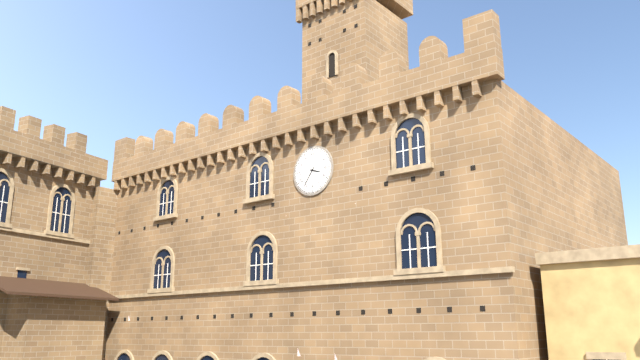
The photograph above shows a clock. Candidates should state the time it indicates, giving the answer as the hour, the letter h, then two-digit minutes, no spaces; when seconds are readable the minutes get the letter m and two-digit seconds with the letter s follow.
3h36
